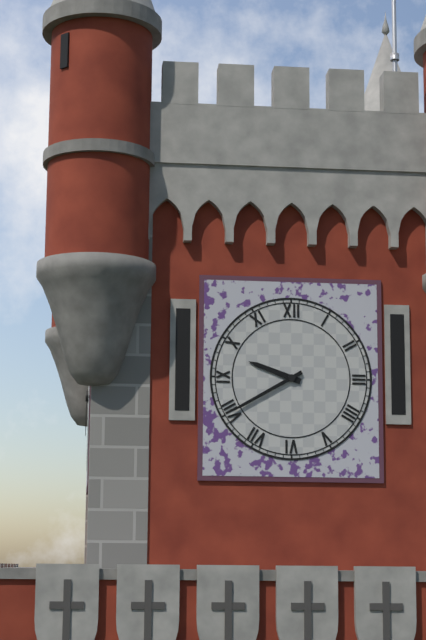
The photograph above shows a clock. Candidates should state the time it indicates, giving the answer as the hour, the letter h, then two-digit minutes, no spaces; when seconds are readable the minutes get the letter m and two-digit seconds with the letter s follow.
9h40
